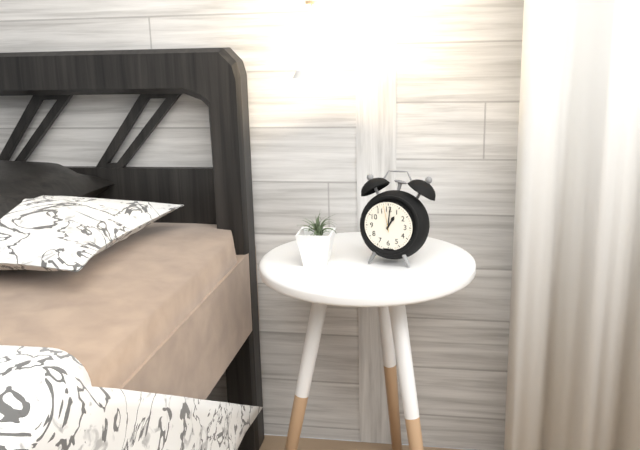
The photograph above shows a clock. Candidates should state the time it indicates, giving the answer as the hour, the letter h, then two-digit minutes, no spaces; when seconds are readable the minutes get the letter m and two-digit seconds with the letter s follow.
1h01
